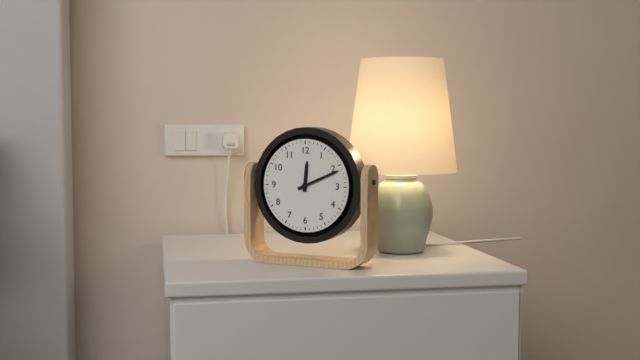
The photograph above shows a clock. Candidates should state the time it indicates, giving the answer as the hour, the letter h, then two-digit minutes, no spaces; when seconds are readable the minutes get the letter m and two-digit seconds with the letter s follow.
12h11
